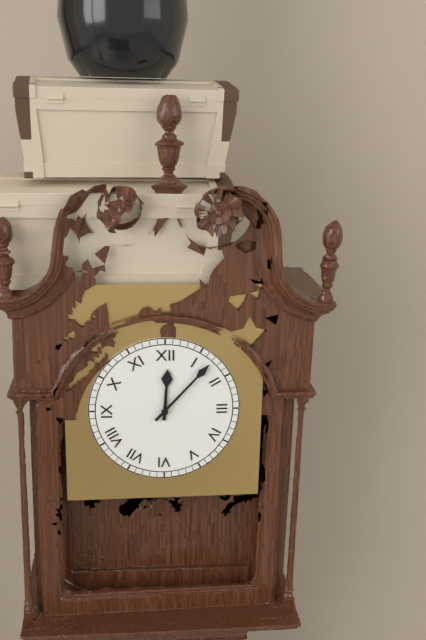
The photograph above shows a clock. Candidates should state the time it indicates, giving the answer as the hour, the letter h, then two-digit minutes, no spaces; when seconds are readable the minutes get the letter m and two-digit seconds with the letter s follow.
12h07
